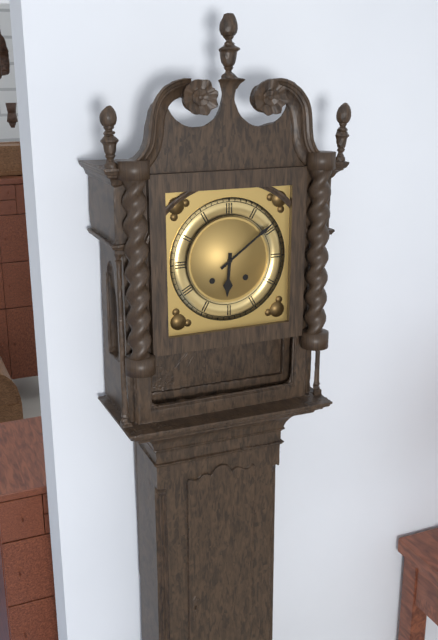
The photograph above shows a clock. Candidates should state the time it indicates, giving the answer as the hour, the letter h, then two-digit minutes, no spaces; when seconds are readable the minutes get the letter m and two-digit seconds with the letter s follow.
6h09
